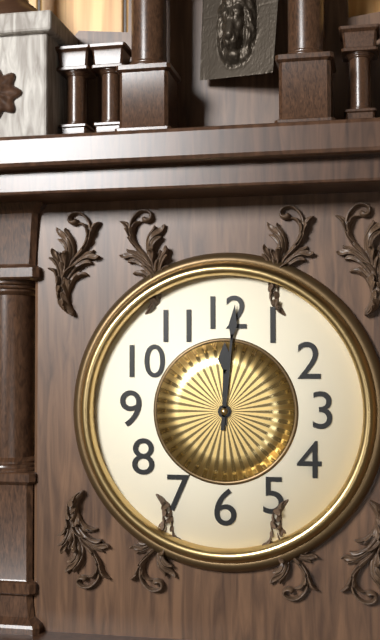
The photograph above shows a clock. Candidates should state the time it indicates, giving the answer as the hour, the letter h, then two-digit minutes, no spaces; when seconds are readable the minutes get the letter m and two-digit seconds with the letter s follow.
12h01
